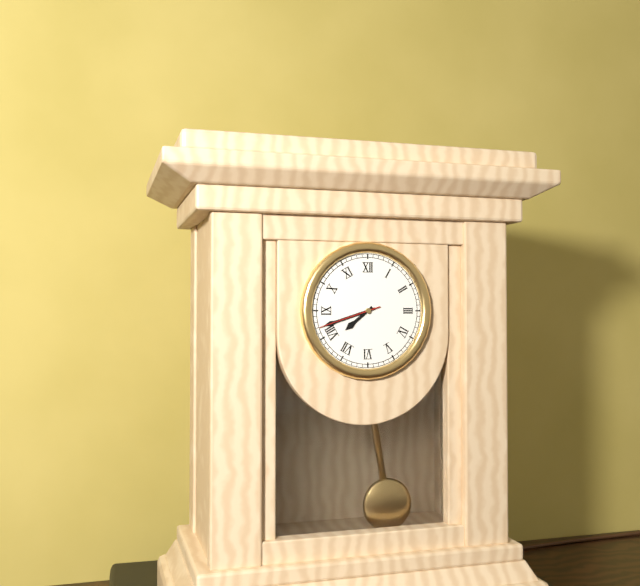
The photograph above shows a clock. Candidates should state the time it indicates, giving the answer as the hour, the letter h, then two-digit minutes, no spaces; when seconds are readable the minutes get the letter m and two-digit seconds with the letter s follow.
7h42m42s
